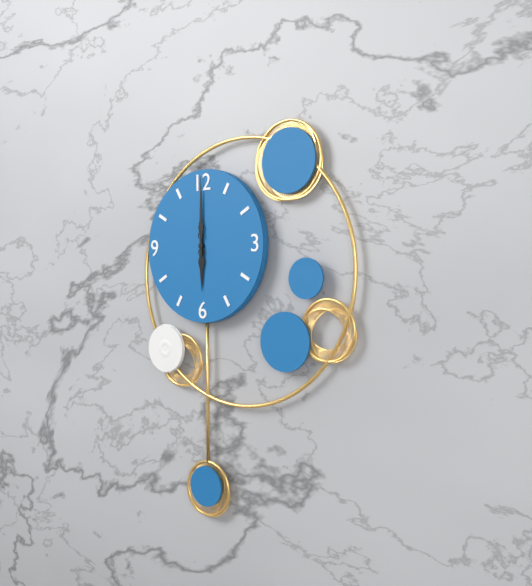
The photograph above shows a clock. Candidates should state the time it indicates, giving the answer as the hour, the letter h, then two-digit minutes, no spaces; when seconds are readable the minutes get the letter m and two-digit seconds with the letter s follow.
6h00
